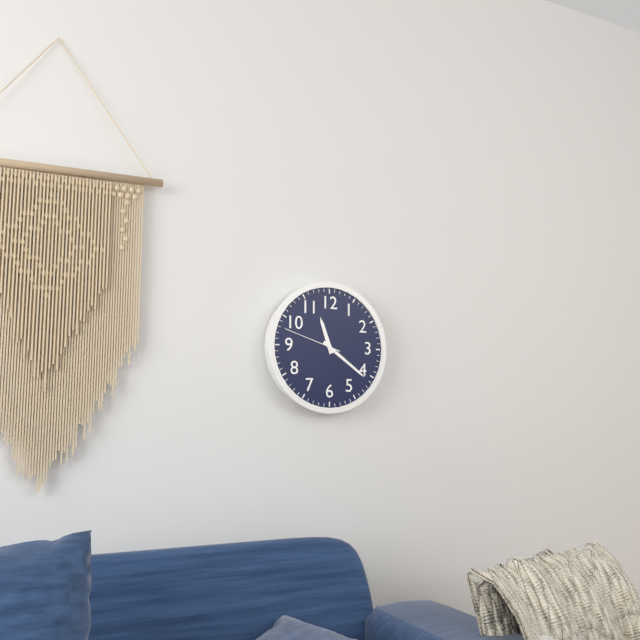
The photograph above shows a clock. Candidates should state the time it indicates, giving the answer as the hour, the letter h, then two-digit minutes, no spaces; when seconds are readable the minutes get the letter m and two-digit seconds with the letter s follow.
11h21m48s
